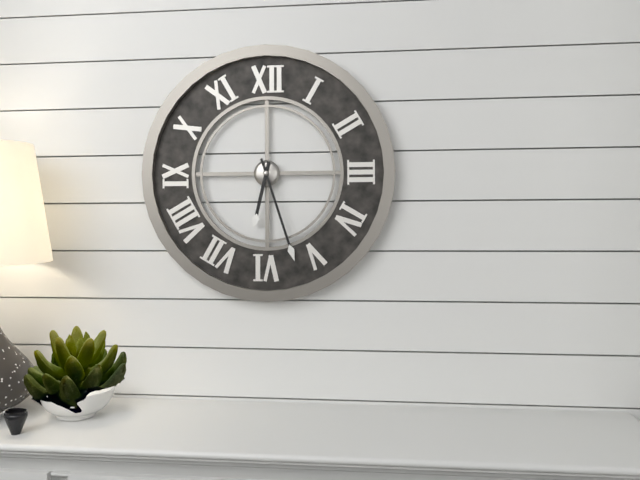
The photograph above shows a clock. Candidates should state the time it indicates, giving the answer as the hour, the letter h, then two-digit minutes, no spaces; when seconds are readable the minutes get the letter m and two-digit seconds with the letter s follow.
6h27
